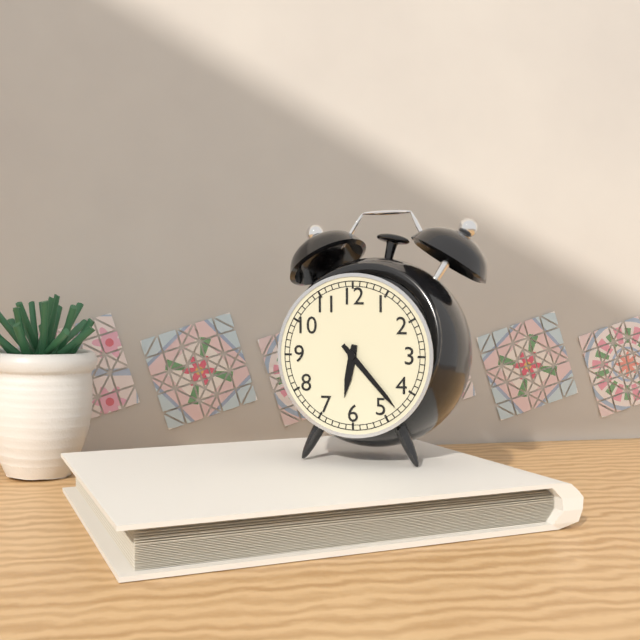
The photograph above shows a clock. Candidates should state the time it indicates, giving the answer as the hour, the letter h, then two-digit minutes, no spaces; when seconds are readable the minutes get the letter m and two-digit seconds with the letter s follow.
6h23
